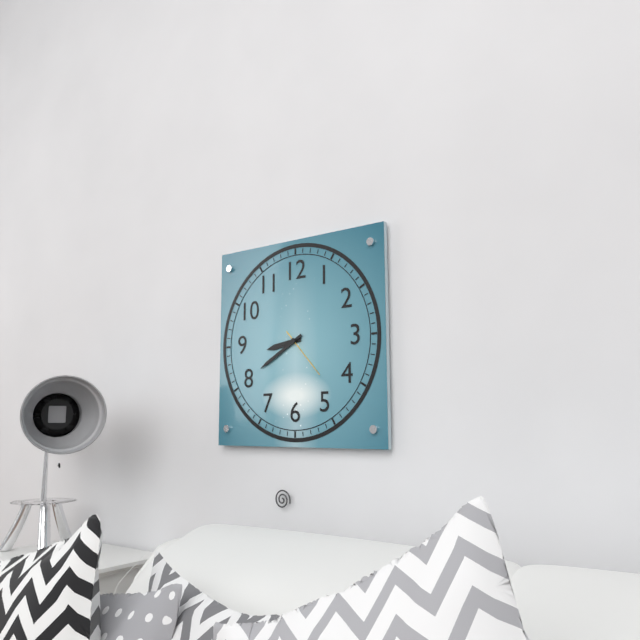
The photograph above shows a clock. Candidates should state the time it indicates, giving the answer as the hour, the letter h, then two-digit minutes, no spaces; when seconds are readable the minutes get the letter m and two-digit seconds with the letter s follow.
8h40m23s
